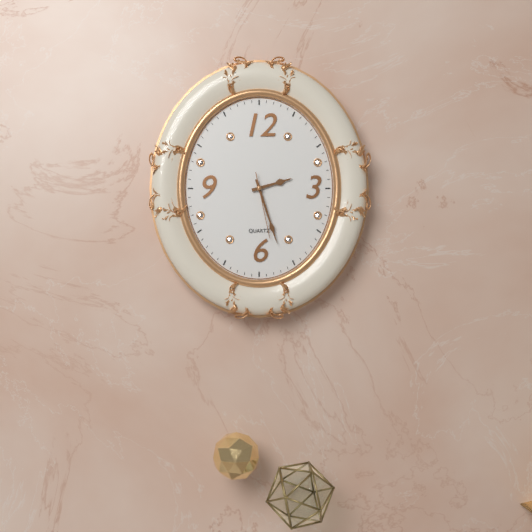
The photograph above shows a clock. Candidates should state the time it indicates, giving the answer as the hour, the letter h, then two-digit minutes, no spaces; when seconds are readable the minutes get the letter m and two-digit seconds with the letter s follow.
2h27m28s
